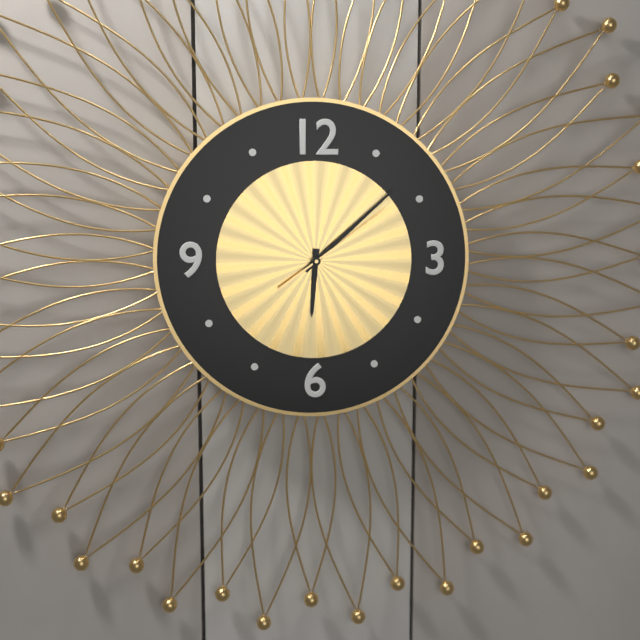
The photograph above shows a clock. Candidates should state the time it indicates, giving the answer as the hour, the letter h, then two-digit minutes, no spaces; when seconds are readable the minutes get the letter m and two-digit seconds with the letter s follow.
6h08m09s
